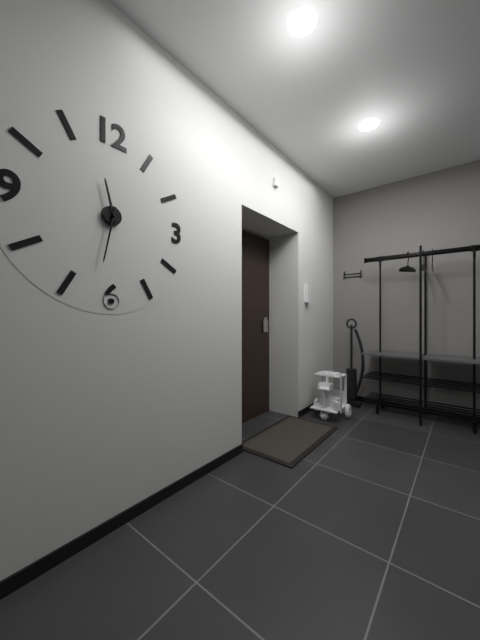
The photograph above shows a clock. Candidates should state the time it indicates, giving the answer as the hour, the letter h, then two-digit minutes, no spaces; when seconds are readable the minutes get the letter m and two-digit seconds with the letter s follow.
11h32
